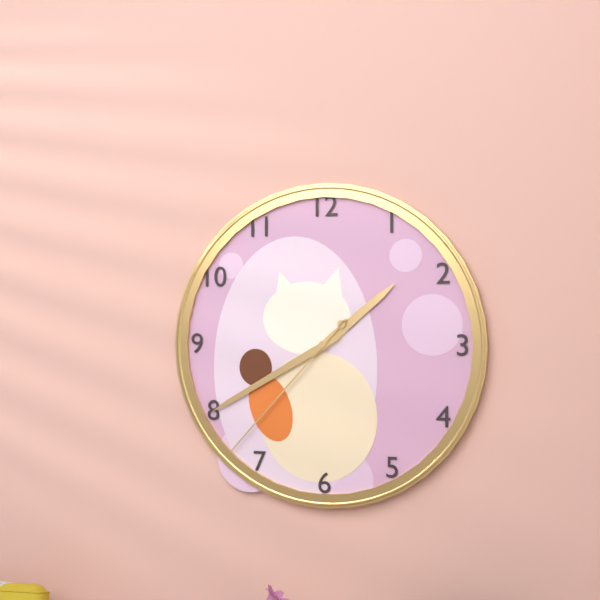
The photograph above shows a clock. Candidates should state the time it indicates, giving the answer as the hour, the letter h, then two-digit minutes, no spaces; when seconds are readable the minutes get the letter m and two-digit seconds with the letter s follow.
1h40m37s
